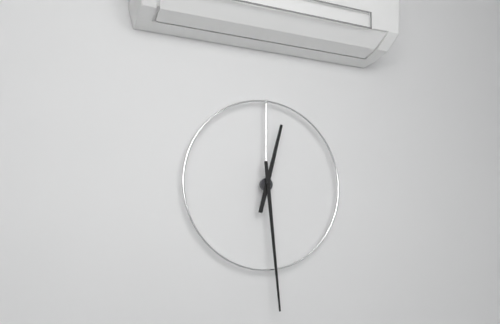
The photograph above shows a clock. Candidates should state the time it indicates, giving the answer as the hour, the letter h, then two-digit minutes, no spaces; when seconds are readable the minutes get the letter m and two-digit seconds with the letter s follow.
12h29
